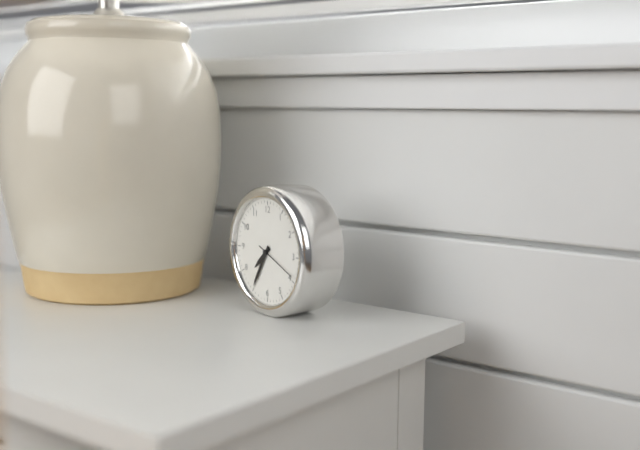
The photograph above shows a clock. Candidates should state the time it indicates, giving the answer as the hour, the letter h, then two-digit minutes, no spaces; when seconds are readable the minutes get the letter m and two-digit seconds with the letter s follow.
7h35
